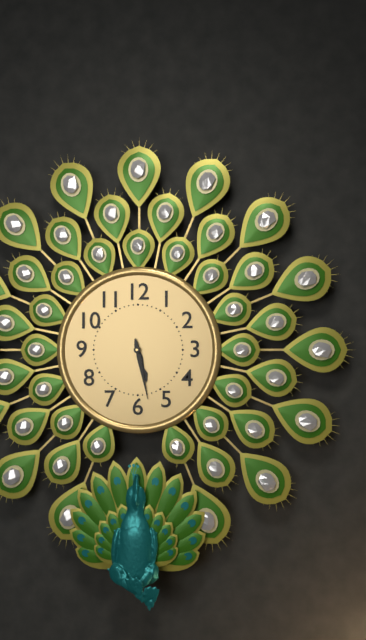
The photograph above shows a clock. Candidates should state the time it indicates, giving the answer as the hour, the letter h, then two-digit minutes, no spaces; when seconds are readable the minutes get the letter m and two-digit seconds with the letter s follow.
5h28
